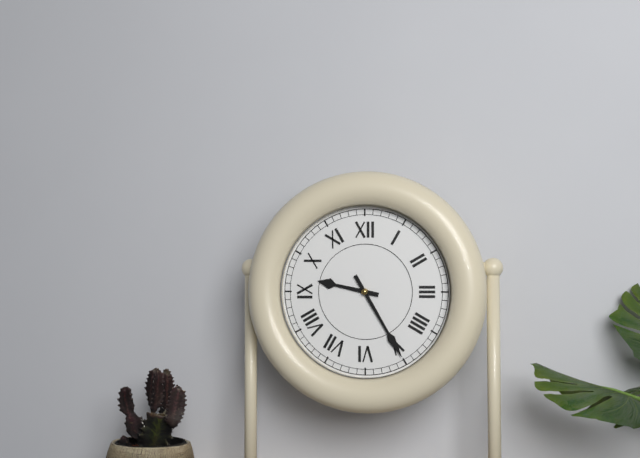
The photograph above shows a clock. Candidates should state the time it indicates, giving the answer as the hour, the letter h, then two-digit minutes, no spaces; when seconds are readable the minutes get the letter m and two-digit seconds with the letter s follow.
9h25
